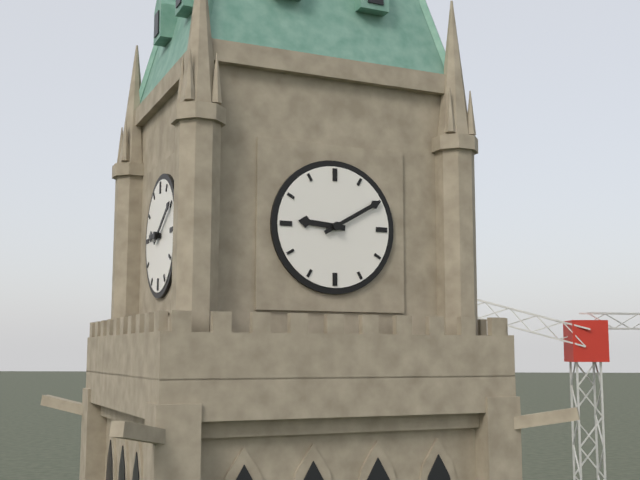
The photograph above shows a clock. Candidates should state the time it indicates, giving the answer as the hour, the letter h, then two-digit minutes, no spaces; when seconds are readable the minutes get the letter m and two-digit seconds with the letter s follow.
9h10
